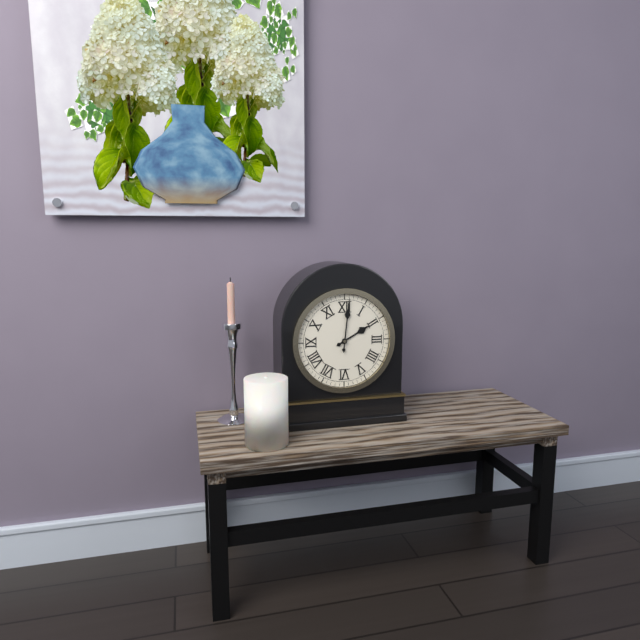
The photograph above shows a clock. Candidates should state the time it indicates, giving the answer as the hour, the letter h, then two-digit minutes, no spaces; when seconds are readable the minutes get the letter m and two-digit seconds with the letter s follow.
2h01
